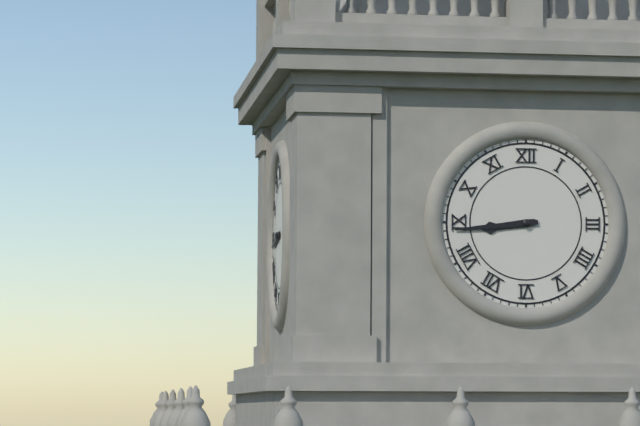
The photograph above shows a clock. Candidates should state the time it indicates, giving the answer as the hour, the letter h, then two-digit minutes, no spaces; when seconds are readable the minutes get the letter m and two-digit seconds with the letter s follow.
8h44
